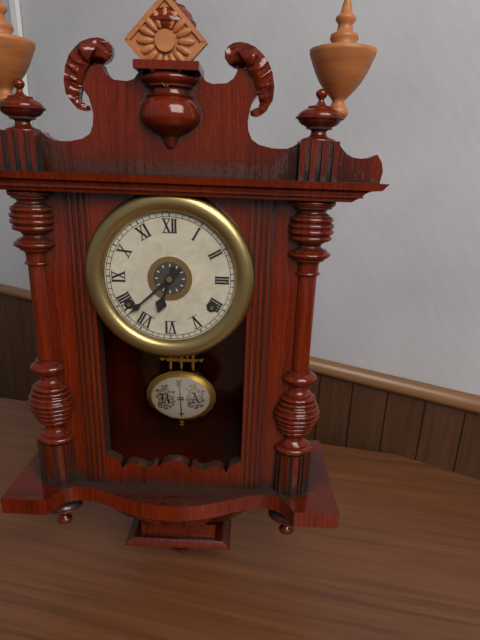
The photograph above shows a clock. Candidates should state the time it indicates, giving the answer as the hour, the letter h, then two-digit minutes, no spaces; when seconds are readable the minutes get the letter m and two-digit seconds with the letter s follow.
6h38
